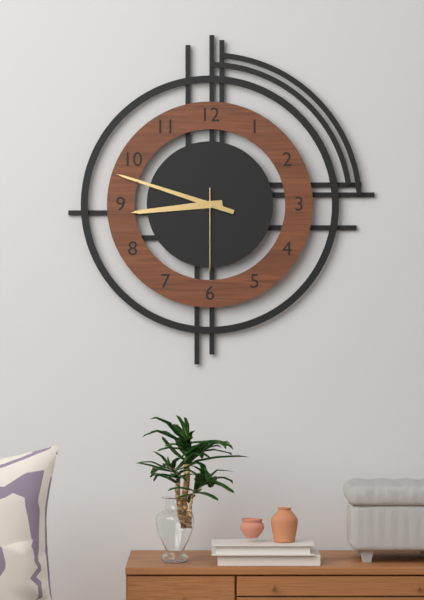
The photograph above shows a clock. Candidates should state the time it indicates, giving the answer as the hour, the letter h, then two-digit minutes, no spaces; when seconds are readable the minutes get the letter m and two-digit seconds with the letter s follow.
8h48m30s
